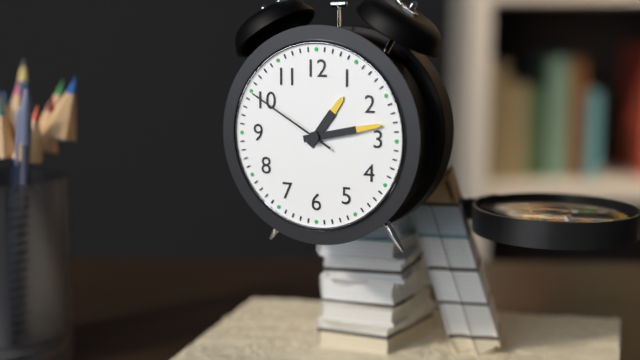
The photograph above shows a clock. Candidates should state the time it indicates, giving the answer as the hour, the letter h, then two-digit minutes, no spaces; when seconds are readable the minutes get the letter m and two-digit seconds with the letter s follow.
1h13m50s
